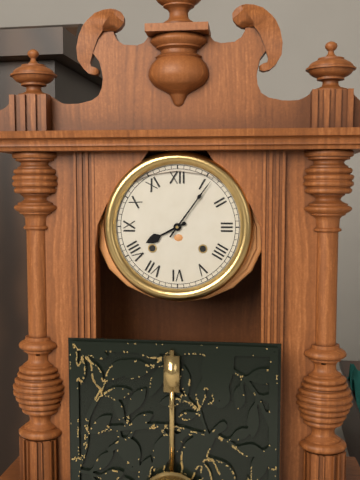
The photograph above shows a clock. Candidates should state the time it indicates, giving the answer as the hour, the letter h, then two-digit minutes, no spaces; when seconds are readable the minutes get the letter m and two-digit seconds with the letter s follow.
8h06
